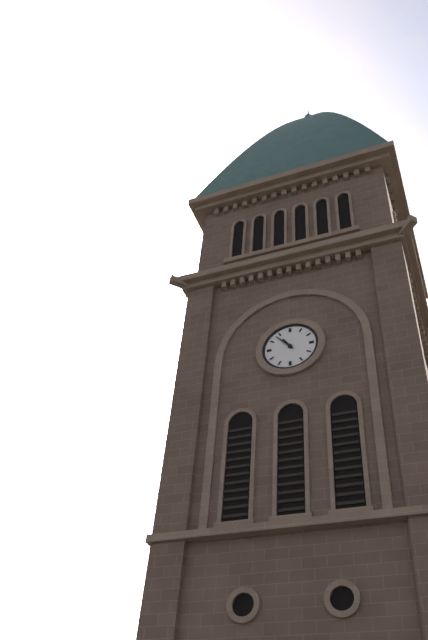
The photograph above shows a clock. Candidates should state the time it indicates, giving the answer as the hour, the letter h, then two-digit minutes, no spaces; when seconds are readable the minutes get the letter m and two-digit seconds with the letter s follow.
10h53
